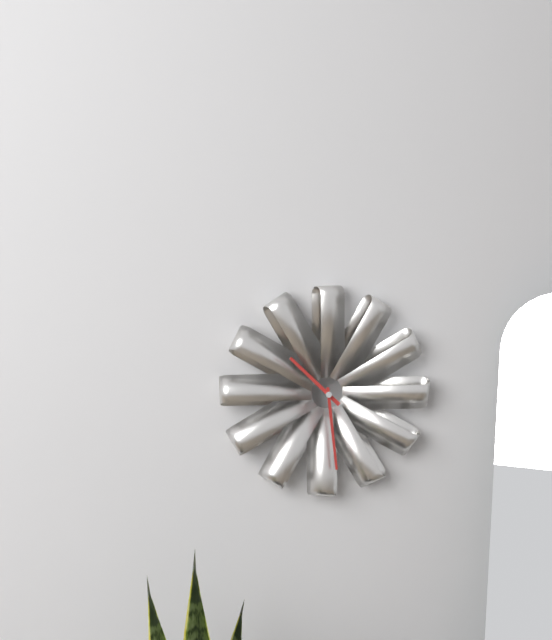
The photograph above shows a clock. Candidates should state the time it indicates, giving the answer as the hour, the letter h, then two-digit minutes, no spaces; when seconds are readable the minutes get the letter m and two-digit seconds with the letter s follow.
10h29
